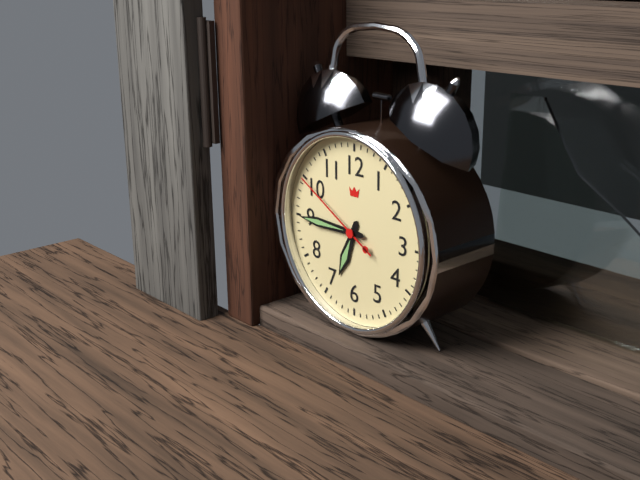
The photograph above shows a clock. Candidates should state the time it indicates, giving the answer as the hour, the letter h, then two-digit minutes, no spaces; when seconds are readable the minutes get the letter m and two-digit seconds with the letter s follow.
6h45m50s
